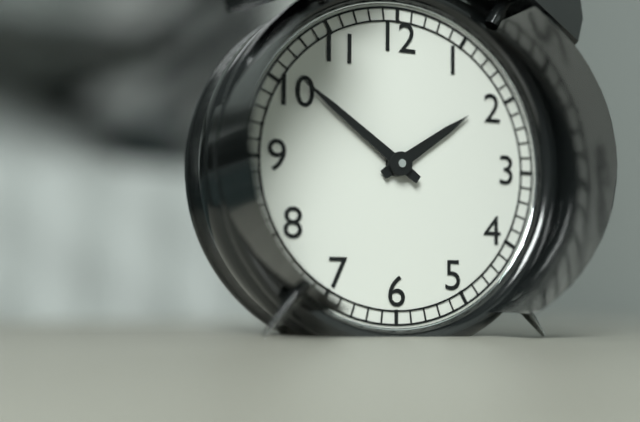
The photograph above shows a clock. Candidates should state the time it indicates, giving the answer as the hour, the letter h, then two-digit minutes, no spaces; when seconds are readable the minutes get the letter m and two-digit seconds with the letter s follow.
1h51
